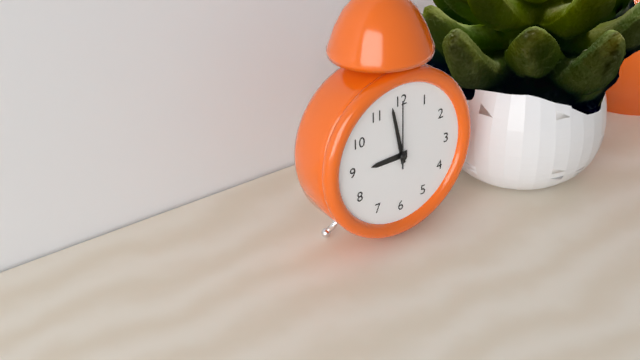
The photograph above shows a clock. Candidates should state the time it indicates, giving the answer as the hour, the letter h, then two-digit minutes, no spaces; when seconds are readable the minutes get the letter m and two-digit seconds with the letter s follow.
8h58m00s
